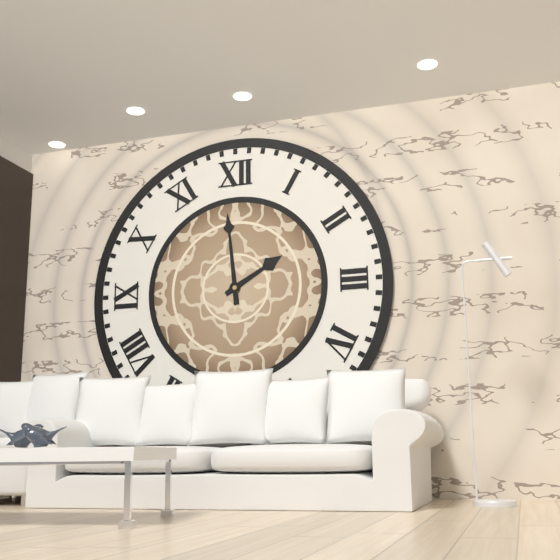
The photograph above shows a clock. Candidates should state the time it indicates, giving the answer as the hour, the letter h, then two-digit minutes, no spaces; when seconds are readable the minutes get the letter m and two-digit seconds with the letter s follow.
1h59
